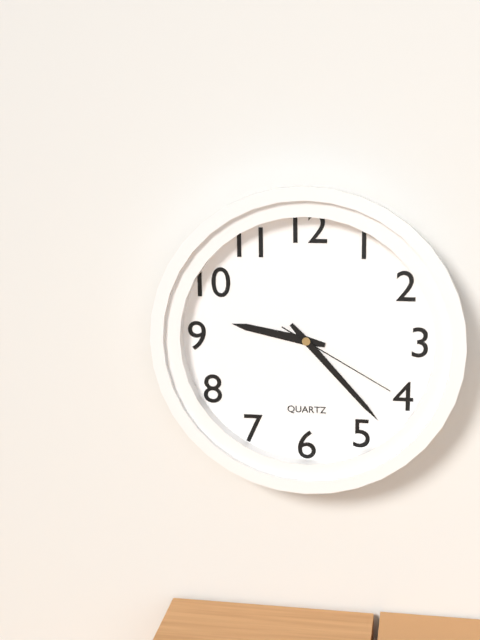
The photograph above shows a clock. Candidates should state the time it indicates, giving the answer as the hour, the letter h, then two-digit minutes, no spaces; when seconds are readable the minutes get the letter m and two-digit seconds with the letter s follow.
9h23m20s
